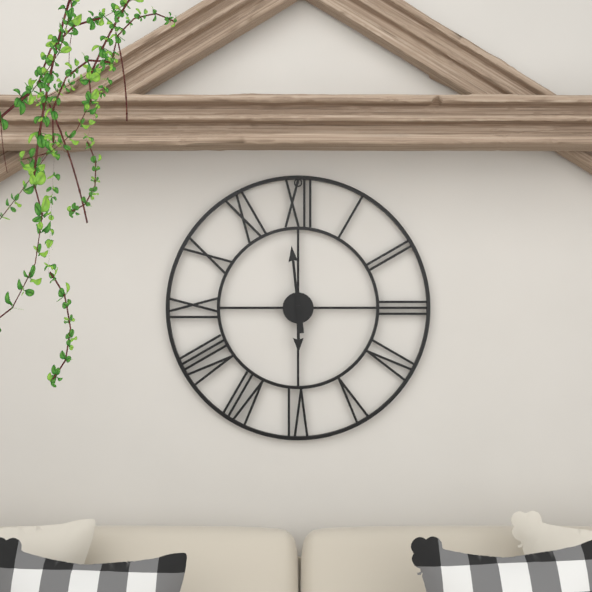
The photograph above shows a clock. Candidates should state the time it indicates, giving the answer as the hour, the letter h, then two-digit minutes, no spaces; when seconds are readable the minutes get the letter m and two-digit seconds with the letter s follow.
5h59
